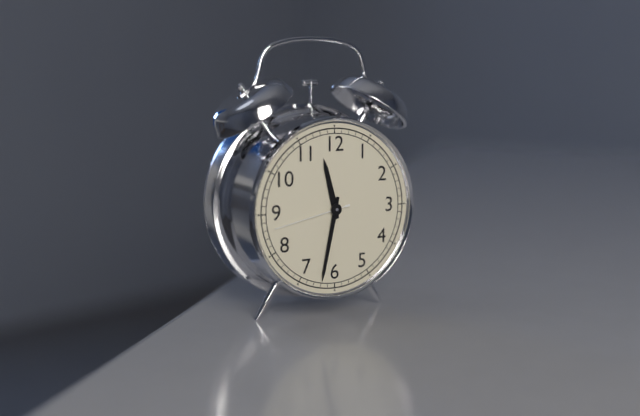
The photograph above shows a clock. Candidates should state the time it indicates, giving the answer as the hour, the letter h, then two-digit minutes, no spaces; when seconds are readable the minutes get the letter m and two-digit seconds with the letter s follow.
11h32m43s
